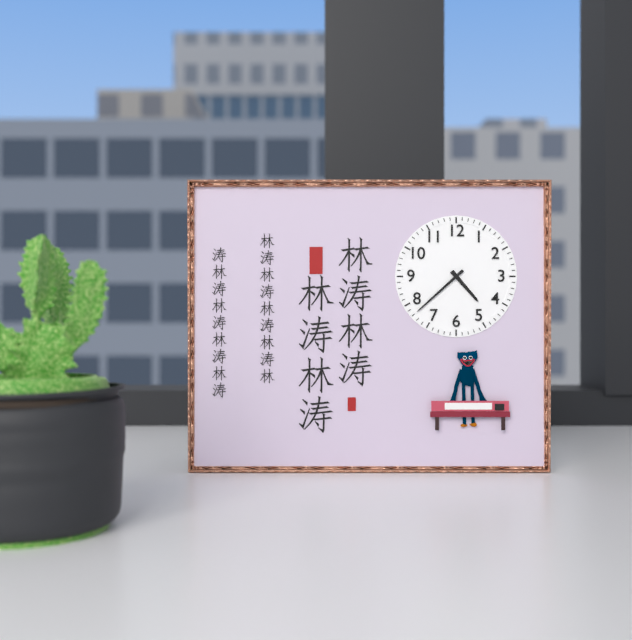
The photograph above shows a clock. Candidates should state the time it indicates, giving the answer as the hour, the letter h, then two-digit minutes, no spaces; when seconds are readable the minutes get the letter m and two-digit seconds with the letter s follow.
4h38
